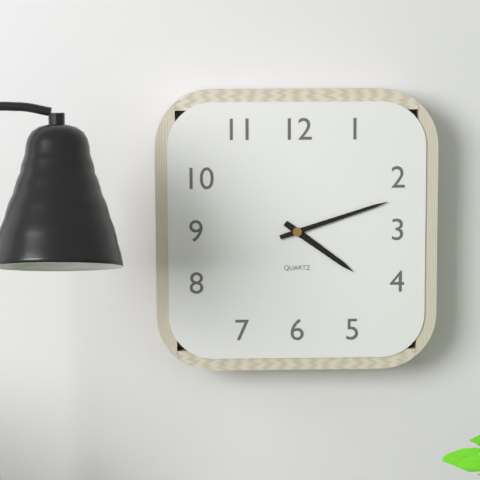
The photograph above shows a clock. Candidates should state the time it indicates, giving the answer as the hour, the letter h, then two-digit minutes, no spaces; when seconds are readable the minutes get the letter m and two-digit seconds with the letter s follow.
4h12
